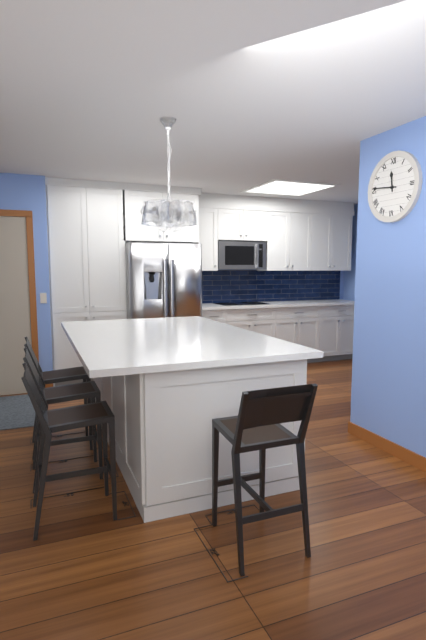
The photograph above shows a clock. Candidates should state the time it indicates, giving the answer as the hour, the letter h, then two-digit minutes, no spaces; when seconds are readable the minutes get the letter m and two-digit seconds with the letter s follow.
11h46
